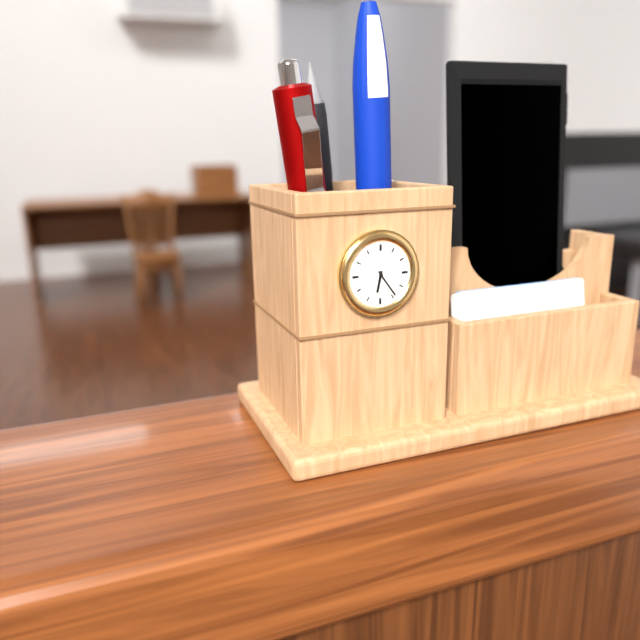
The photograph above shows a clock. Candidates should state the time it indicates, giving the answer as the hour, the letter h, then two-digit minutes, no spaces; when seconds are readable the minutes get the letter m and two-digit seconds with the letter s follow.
6h24
